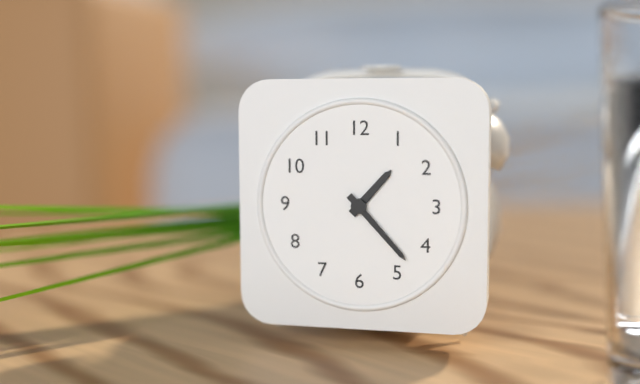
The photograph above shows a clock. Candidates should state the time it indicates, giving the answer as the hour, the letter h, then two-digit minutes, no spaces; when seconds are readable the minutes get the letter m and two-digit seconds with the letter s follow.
1h23
